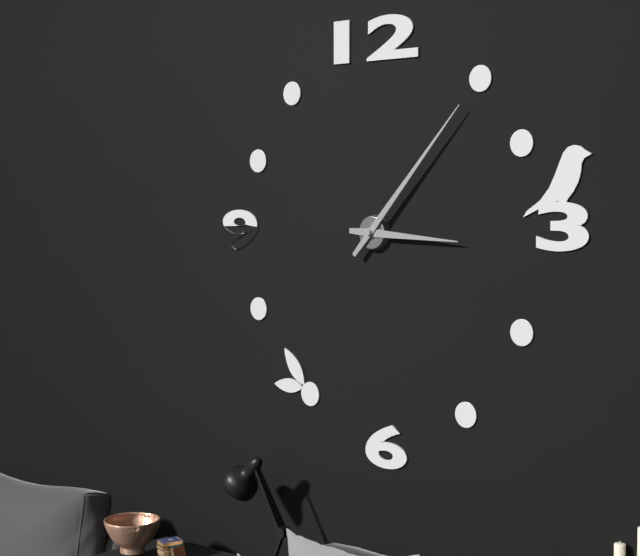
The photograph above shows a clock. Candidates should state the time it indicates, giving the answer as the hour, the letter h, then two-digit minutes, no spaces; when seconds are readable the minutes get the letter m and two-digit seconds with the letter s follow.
3h07
